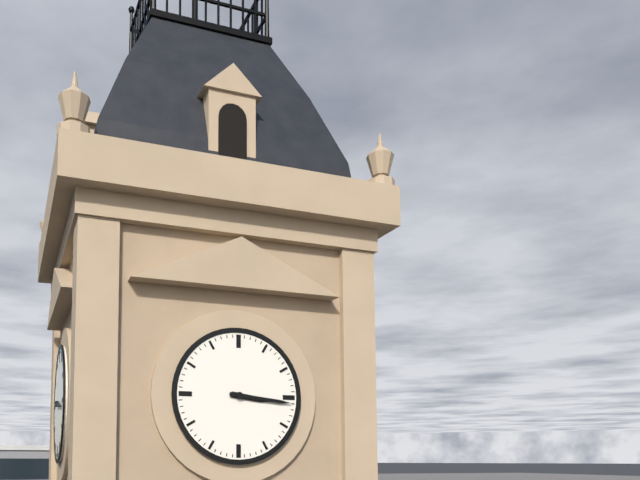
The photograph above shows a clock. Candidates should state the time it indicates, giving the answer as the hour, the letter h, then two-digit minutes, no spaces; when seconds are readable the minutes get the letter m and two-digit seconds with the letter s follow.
3h16
